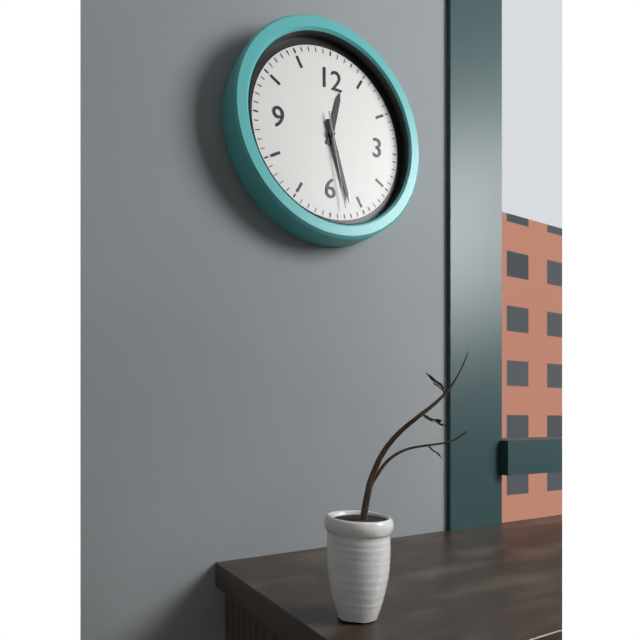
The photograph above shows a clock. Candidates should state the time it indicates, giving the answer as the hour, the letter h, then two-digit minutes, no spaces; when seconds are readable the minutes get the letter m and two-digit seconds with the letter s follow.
12h27m28s
